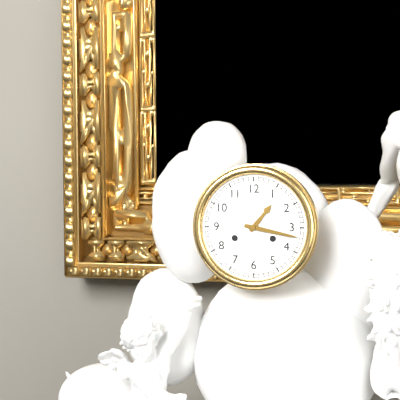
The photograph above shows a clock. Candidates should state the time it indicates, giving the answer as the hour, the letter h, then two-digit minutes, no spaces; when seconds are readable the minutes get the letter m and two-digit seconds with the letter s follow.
1h17
